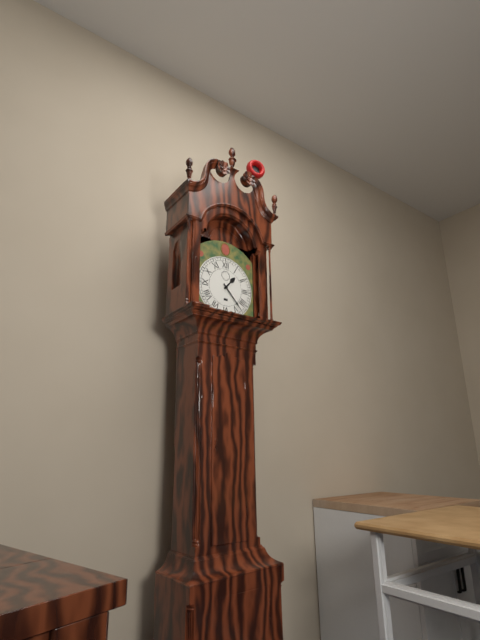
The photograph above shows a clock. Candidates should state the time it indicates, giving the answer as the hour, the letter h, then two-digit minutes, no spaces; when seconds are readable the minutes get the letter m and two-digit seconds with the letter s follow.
1h23
